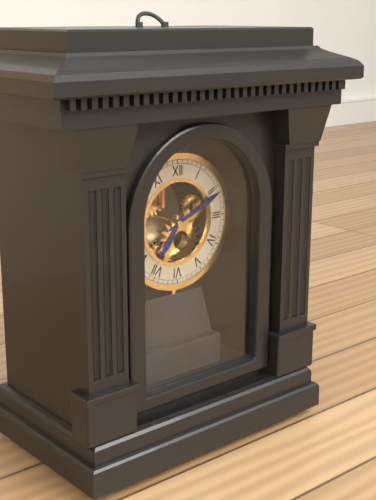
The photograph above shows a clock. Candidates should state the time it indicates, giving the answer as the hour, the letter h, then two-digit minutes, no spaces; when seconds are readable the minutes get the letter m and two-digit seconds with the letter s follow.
7h11
